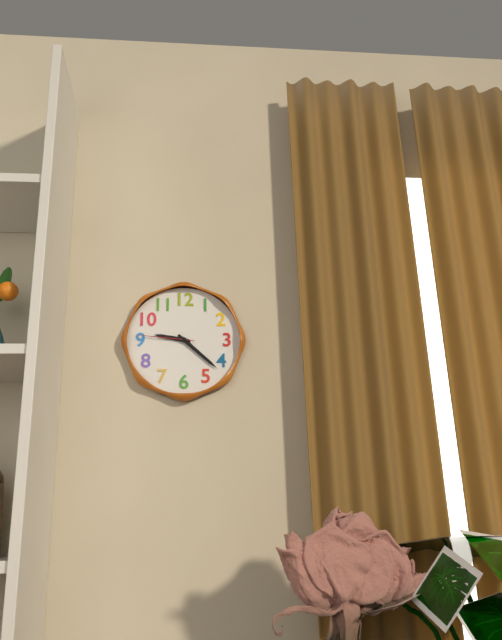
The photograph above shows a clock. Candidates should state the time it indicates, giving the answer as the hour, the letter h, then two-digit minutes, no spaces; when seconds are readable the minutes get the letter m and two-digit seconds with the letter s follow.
9h22m46s
